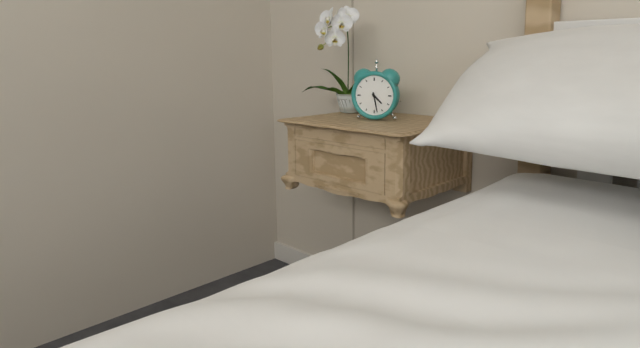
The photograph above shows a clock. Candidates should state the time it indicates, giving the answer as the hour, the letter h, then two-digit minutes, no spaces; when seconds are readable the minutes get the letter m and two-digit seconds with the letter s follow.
4h28
